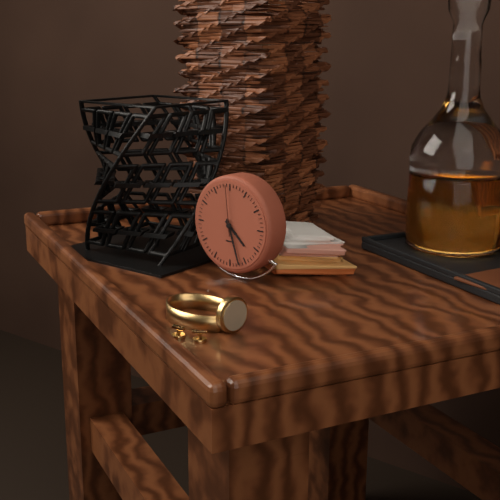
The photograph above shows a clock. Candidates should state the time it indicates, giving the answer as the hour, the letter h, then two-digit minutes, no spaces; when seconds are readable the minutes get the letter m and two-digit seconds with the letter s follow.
4h27m59s
